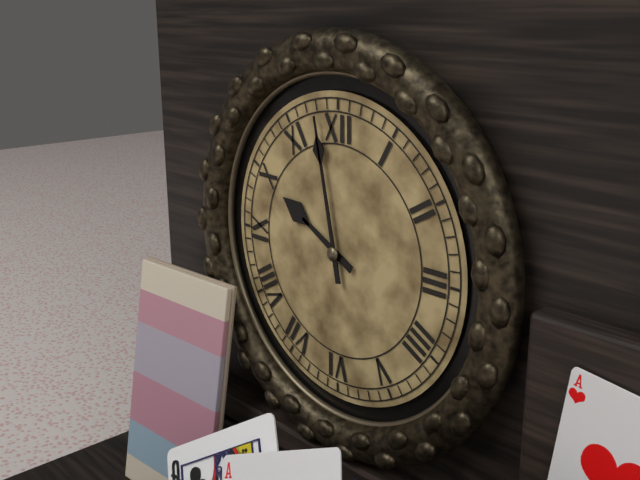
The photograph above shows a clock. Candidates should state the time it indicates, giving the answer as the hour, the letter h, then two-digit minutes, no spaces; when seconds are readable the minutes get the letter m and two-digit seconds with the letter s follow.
9h58
